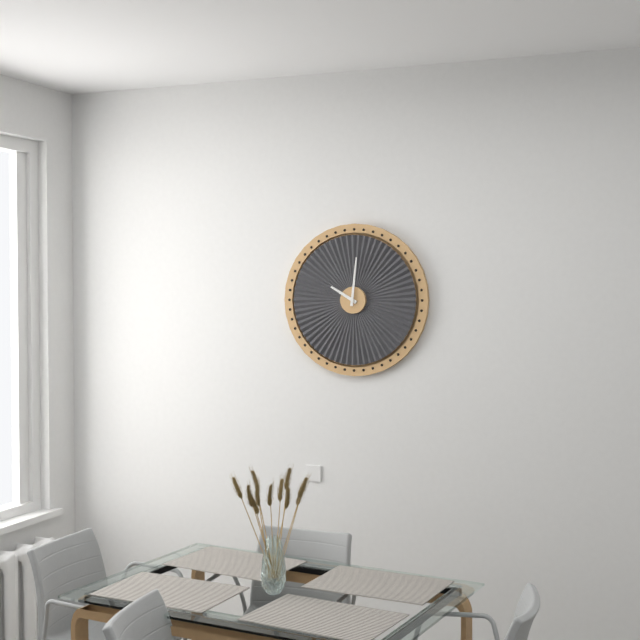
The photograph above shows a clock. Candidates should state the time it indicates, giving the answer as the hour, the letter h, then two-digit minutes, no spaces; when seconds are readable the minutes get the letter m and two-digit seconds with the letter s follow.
10h01
